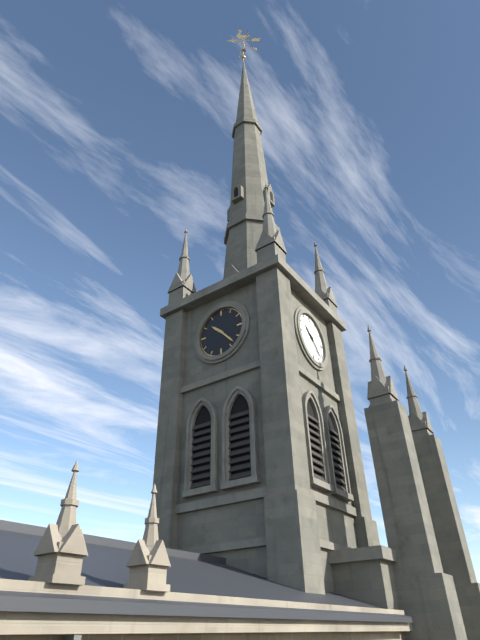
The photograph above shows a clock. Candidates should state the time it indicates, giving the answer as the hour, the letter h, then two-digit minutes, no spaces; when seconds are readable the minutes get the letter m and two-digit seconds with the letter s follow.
10h23
